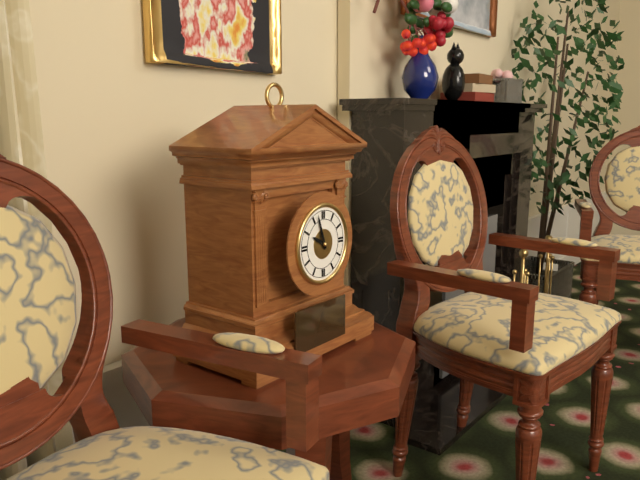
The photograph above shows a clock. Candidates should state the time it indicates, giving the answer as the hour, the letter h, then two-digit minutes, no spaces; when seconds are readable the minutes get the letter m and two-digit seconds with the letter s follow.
9h57
